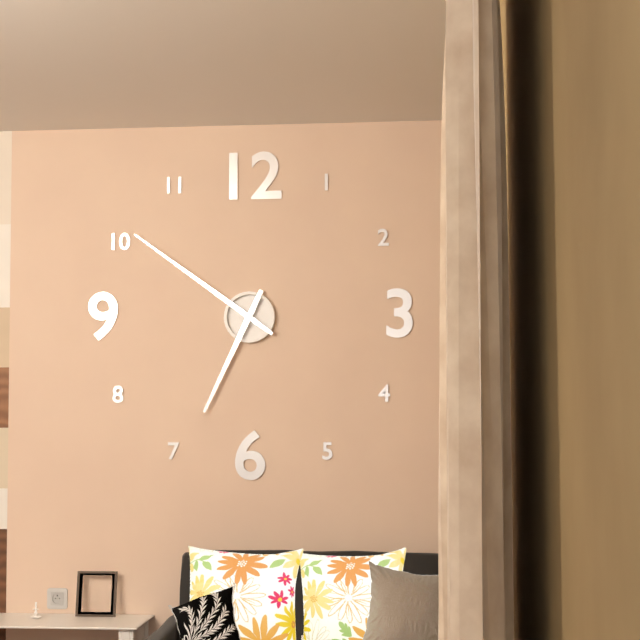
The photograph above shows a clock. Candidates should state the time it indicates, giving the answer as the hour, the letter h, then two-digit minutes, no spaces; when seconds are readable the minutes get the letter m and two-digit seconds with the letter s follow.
6h51
